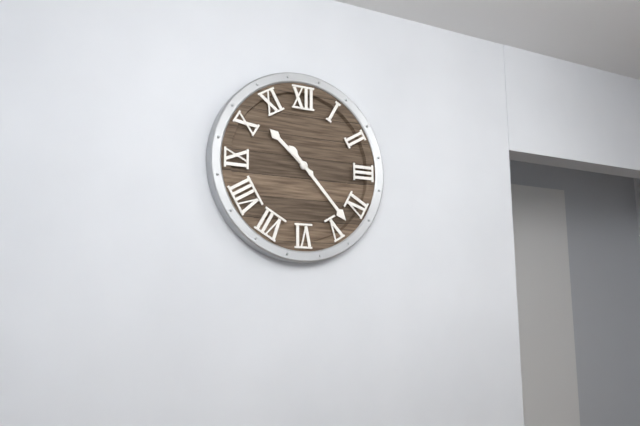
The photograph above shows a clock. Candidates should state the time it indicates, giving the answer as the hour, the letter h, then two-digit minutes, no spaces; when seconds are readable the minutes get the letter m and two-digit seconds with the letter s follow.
10h23
